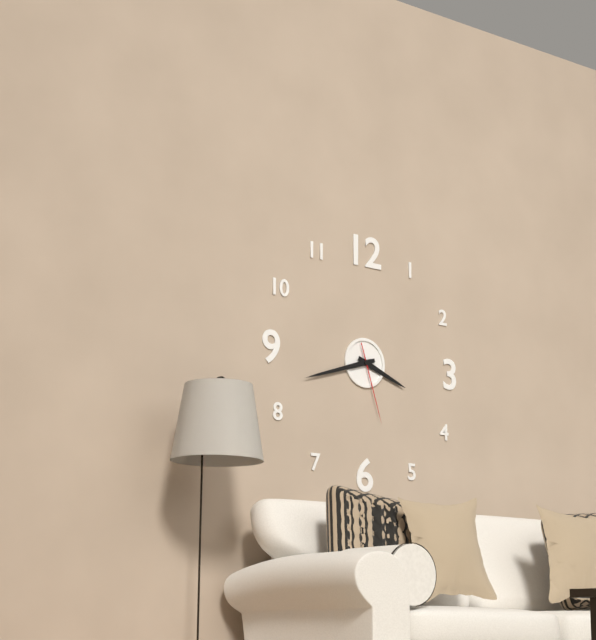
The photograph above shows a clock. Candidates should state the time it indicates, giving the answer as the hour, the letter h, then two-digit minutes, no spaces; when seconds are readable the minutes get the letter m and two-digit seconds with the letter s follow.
3h42m27s
